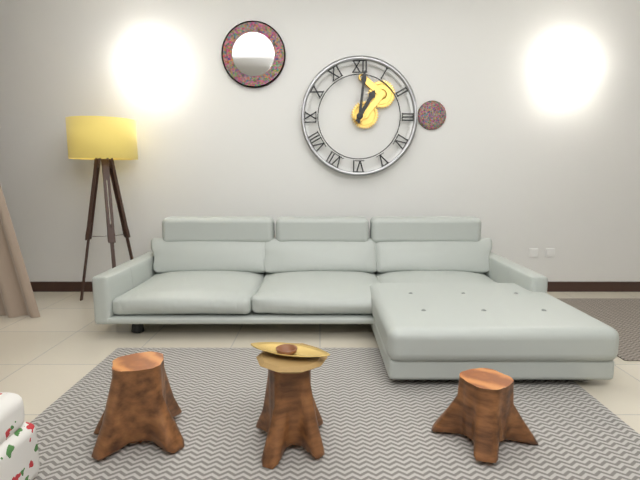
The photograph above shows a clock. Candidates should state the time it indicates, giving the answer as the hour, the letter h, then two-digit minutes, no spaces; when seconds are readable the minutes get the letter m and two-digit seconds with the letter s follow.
1h01
